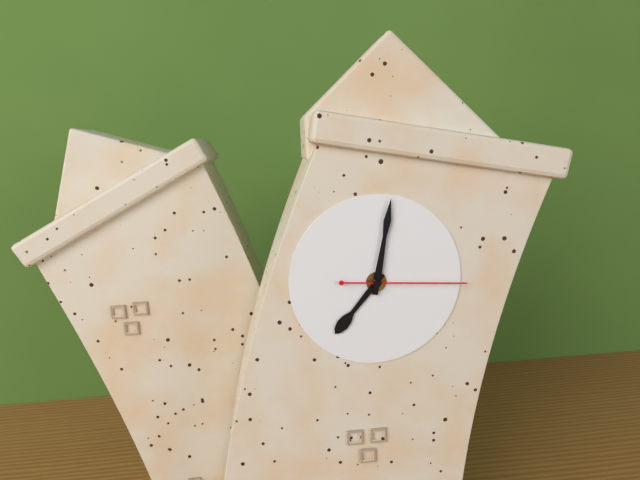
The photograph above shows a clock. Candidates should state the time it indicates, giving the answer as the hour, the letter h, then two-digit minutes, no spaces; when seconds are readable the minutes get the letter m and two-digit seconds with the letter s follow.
7h00m14s
